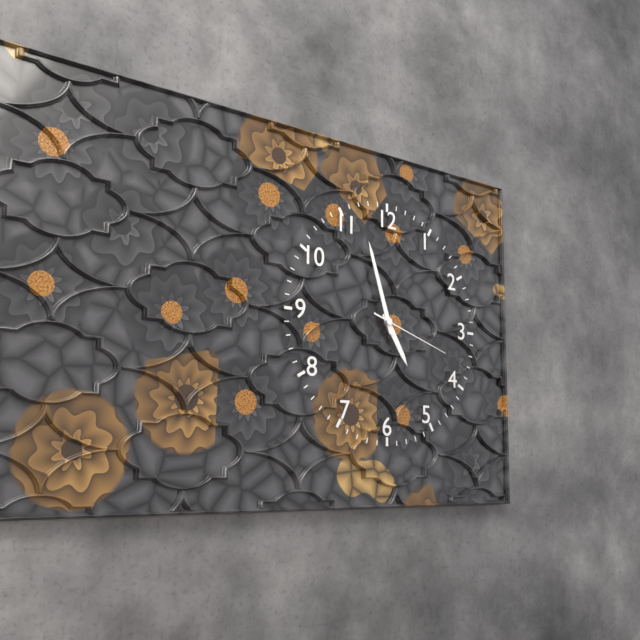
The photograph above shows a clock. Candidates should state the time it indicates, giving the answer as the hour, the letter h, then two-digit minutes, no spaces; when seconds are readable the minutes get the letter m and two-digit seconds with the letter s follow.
4h57m18s
